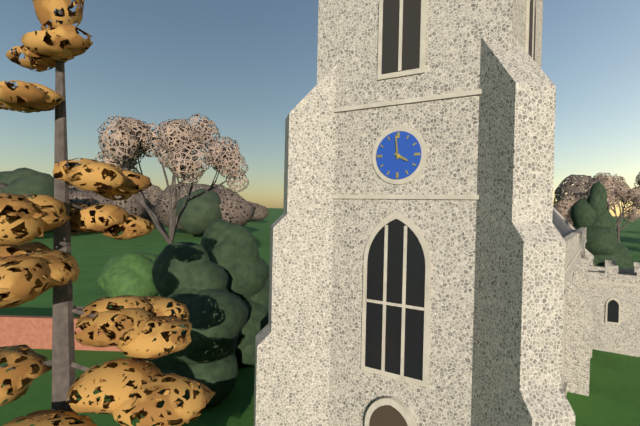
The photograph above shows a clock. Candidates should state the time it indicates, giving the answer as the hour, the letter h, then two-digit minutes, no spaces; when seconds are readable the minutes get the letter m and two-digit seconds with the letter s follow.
3h59
